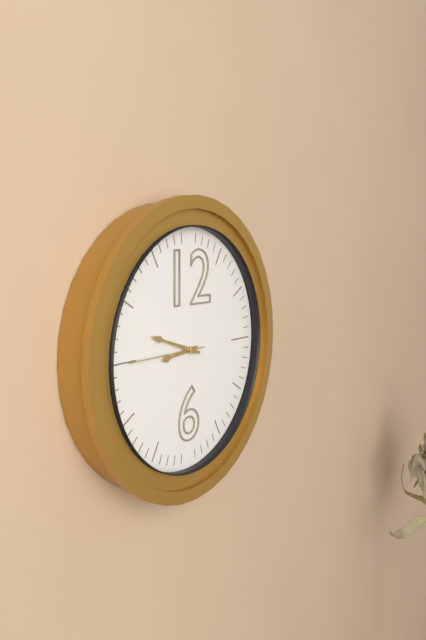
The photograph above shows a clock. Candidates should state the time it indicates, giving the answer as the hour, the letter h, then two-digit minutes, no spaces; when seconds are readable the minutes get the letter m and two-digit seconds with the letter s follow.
8h48m45s
